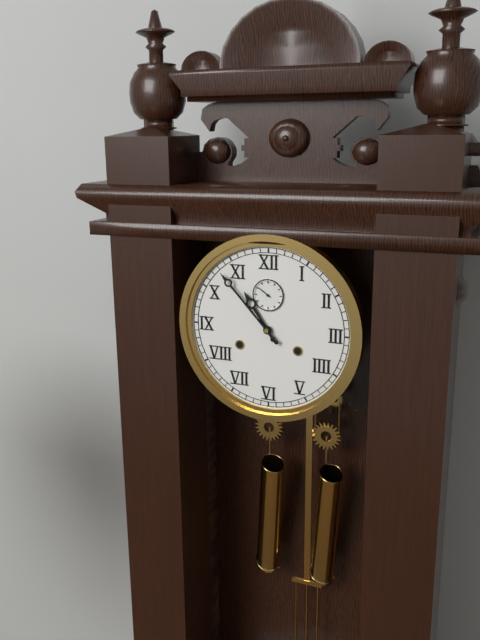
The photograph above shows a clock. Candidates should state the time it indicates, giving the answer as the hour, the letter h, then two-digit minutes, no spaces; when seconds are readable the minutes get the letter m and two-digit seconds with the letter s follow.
10h53
